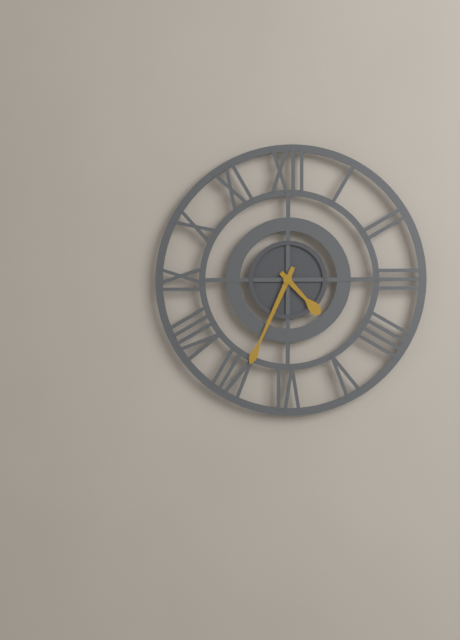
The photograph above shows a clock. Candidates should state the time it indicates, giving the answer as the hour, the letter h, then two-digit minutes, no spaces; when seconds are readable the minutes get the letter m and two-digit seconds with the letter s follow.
4h34
